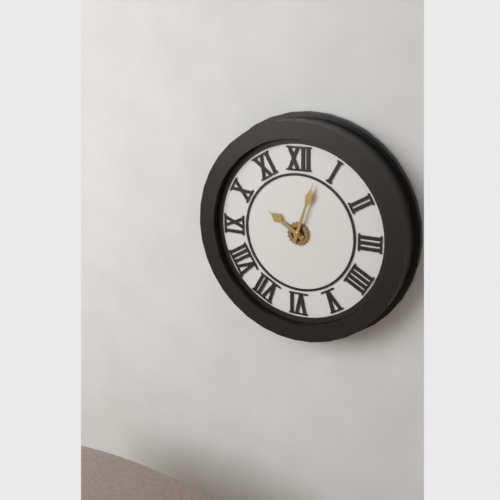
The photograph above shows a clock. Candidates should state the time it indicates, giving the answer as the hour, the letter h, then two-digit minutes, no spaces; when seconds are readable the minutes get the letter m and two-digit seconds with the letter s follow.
10h03
